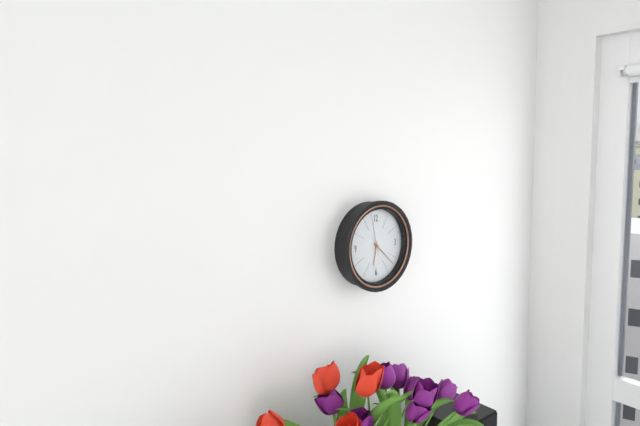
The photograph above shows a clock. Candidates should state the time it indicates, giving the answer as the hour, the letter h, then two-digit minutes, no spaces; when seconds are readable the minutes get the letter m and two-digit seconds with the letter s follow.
6h22
